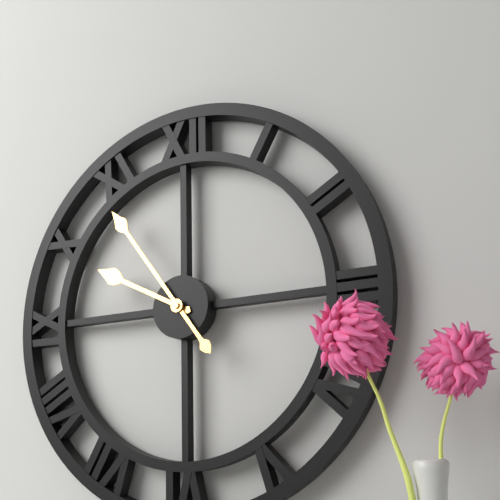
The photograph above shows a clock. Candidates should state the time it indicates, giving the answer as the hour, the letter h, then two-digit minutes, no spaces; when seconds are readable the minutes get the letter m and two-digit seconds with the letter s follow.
9h54
